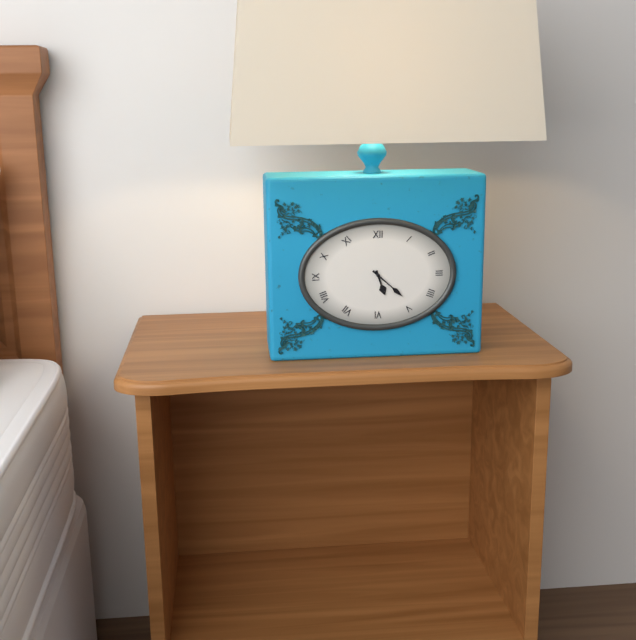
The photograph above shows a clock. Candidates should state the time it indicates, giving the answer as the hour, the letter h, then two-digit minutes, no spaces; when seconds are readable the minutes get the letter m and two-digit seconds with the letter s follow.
5h22
